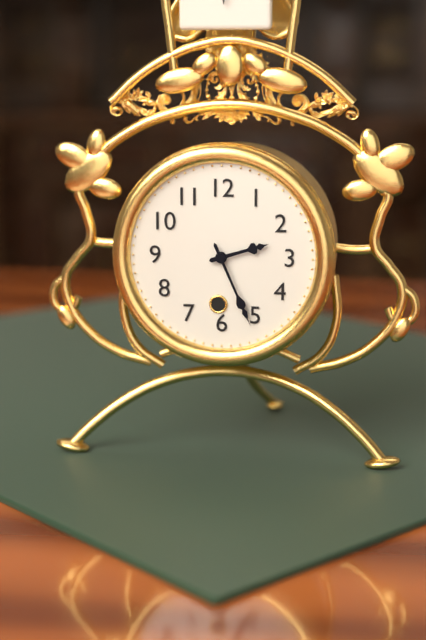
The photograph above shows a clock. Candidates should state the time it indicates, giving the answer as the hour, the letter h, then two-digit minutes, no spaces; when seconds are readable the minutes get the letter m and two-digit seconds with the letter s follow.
2h26
